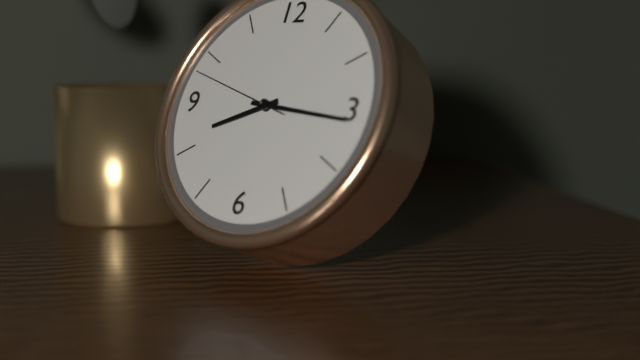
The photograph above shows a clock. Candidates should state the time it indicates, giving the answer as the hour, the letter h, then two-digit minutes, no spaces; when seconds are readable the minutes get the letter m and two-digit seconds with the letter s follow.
8h16m48s
